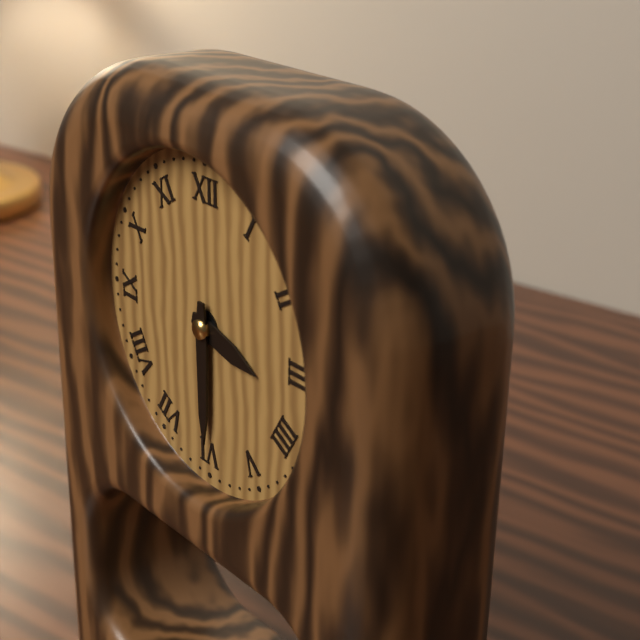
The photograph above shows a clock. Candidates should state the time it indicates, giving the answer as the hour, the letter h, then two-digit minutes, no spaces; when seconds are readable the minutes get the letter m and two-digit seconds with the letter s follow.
3h30
